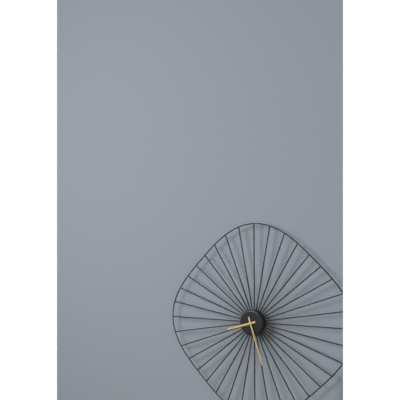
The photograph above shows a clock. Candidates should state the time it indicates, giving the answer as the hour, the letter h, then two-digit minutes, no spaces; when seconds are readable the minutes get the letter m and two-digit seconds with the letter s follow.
8h27
